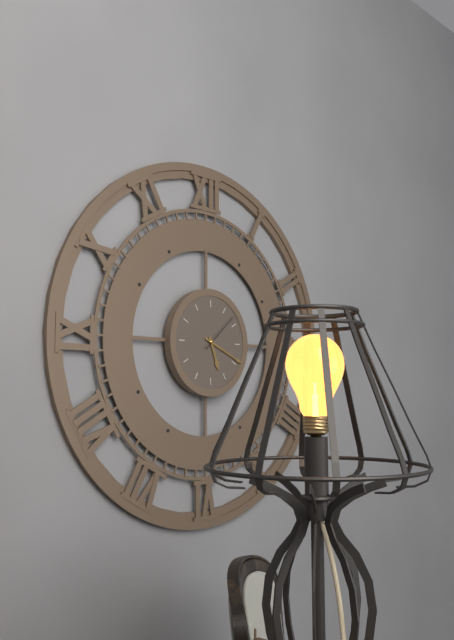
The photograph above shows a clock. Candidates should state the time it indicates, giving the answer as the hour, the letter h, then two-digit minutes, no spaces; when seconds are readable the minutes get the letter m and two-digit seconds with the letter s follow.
5h19
